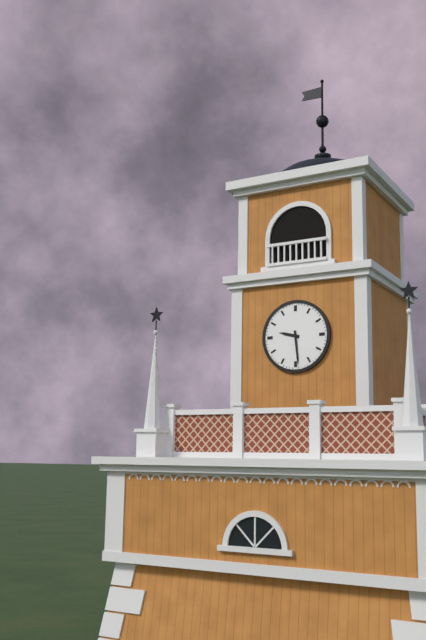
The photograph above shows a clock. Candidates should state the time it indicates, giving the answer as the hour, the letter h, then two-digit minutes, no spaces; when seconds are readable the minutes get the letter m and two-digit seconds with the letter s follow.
9h29
